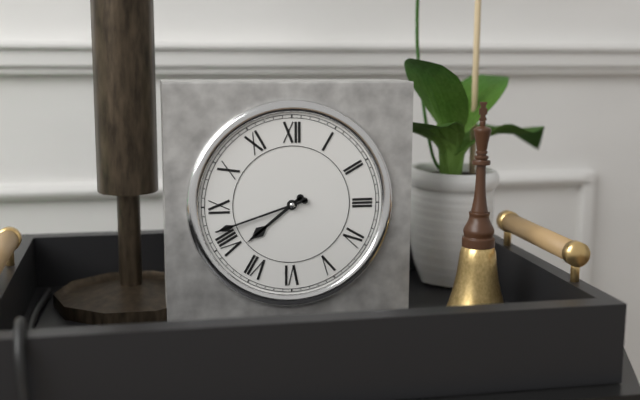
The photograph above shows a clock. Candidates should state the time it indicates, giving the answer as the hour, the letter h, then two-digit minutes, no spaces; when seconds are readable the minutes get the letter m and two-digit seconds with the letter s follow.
7h42
